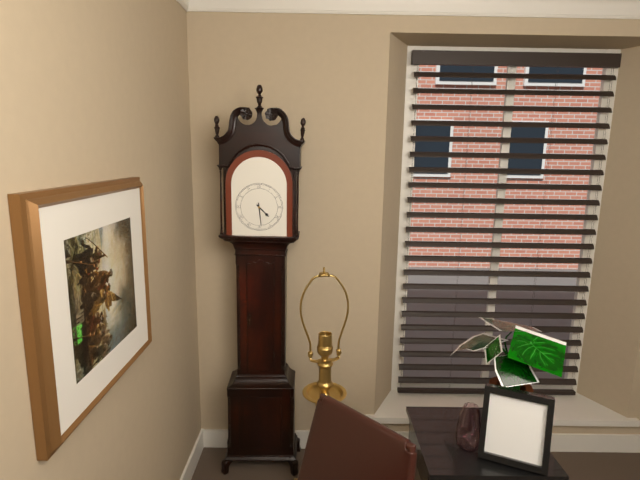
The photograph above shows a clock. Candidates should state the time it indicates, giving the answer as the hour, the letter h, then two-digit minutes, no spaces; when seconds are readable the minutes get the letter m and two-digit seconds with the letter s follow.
4h29
